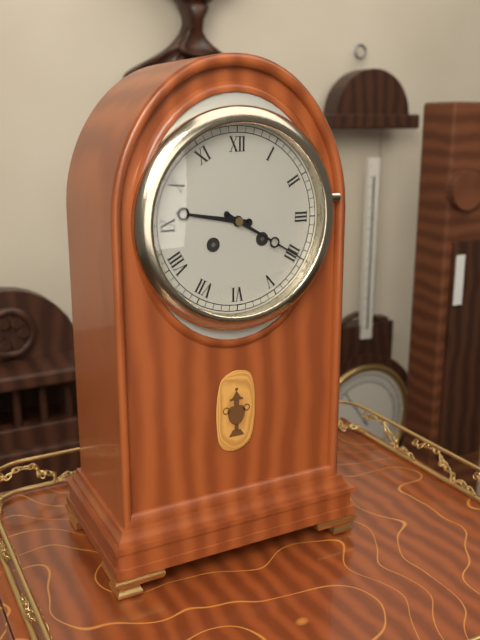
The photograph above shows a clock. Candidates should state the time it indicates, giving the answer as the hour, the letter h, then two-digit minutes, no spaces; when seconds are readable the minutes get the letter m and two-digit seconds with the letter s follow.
9h20
